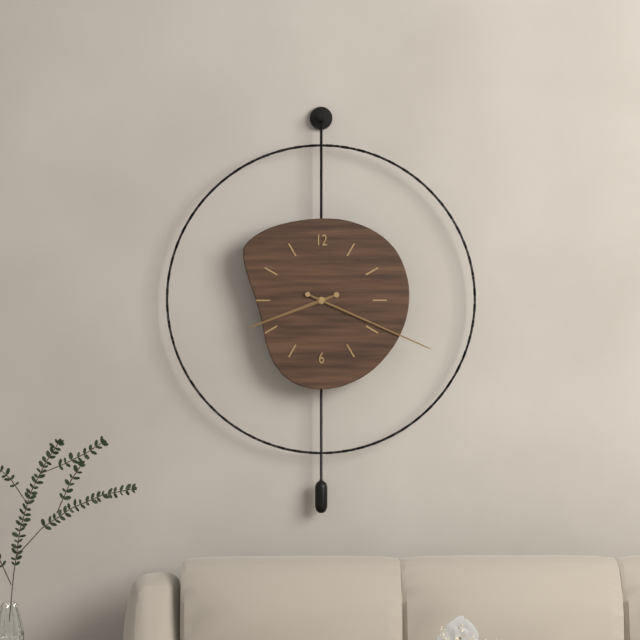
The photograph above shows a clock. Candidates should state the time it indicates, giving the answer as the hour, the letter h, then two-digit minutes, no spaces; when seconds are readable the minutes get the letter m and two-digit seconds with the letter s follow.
8h19
